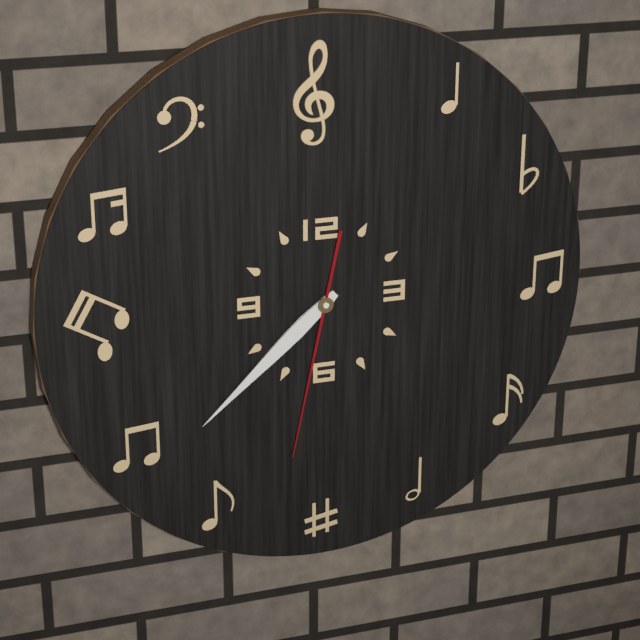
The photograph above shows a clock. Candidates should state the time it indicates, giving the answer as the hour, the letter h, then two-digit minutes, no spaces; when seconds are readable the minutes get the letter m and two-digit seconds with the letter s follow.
7h38m32s
